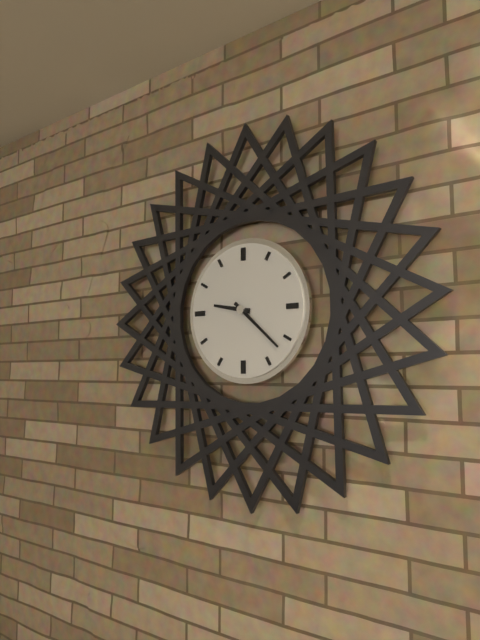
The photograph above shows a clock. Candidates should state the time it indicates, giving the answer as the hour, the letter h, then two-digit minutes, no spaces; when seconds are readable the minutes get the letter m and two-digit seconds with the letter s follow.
9h22
